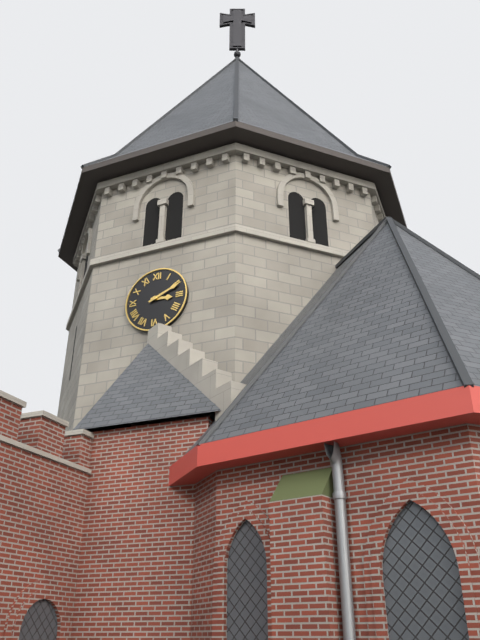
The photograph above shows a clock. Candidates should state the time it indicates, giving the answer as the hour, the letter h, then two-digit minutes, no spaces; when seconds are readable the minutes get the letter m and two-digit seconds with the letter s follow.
3h11
